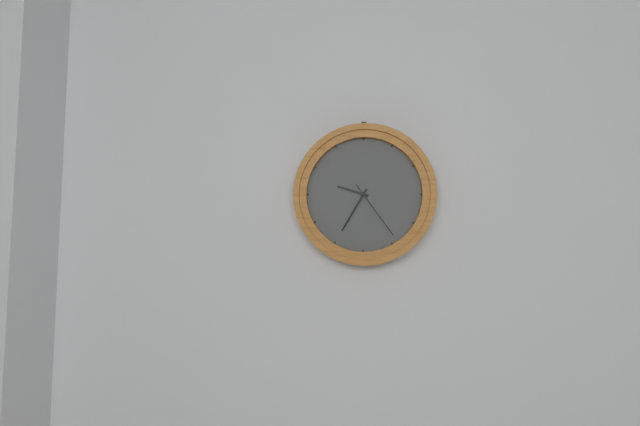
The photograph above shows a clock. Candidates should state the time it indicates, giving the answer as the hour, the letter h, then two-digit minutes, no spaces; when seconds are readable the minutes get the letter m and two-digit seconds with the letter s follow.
9h35m24s
